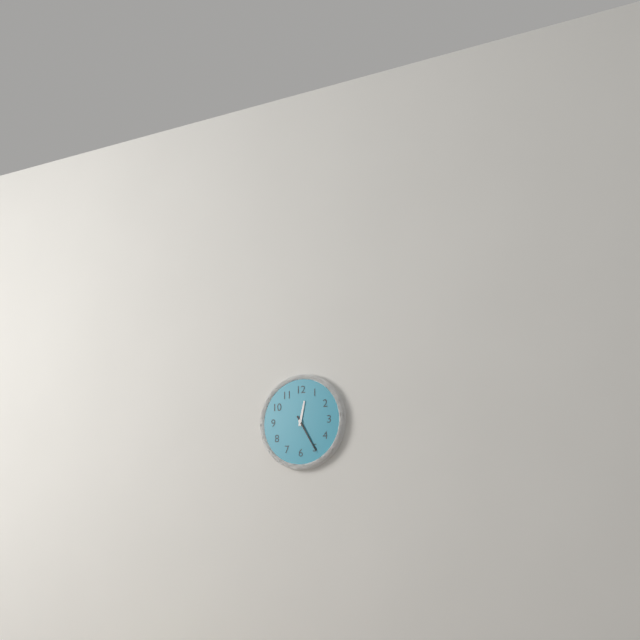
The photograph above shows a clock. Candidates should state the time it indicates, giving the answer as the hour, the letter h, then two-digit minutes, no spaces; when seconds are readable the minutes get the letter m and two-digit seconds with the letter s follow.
12h25
